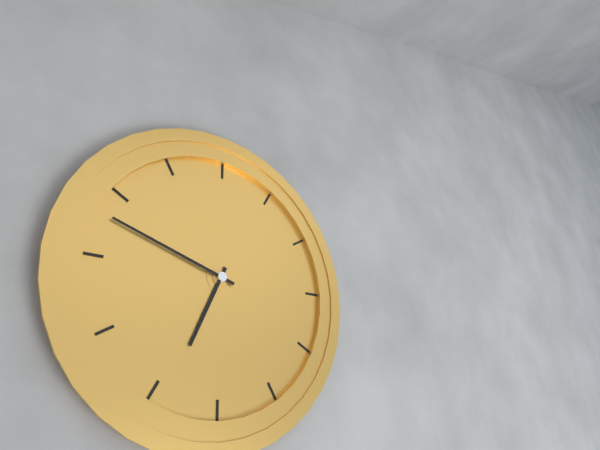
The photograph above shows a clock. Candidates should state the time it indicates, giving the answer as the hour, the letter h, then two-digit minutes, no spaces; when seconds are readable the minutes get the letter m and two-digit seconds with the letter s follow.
6h48
